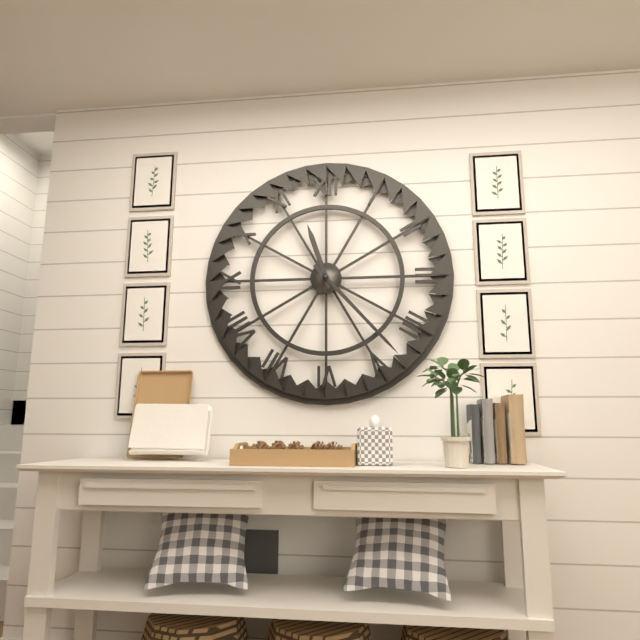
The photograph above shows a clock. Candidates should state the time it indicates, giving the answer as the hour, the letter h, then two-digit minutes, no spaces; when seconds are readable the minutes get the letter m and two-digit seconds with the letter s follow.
11h23
